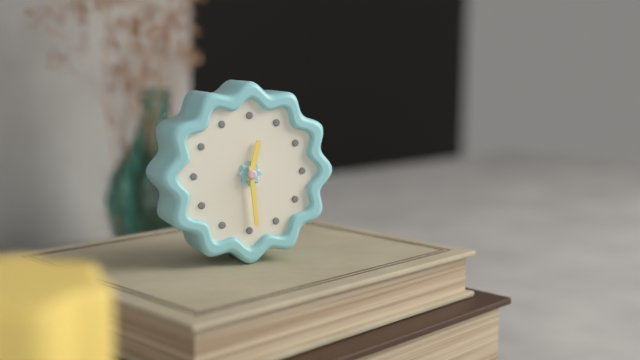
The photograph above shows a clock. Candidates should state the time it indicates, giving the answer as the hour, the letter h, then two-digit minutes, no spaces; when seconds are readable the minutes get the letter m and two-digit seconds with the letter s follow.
12h29
